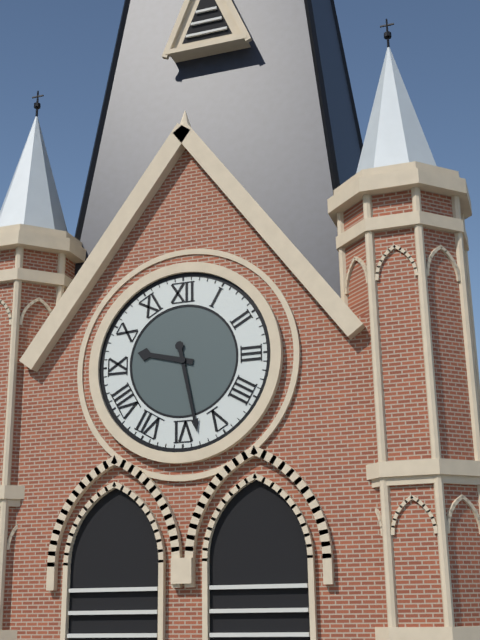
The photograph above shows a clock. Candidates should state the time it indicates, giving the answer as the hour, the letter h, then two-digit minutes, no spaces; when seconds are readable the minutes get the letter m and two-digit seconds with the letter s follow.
9h28
